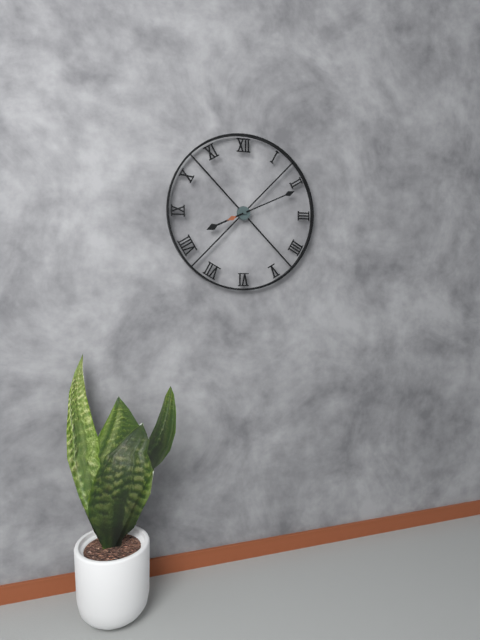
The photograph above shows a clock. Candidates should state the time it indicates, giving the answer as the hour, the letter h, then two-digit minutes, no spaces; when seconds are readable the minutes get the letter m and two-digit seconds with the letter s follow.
8h11
